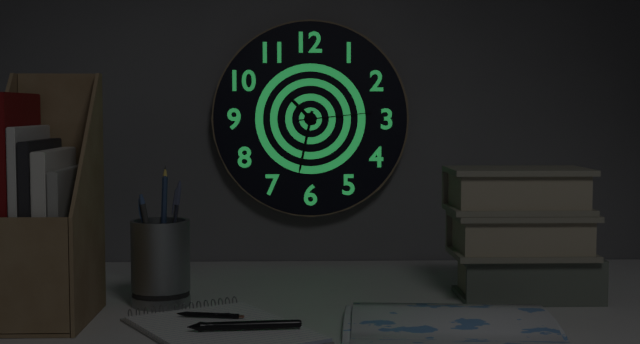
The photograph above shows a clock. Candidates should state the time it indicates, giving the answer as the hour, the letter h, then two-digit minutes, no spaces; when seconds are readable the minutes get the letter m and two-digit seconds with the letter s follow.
10h32m14s
